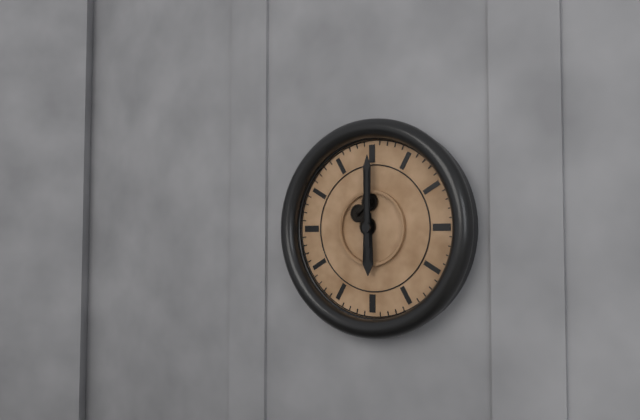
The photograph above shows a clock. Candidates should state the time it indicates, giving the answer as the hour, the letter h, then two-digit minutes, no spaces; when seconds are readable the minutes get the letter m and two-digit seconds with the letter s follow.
6h00
